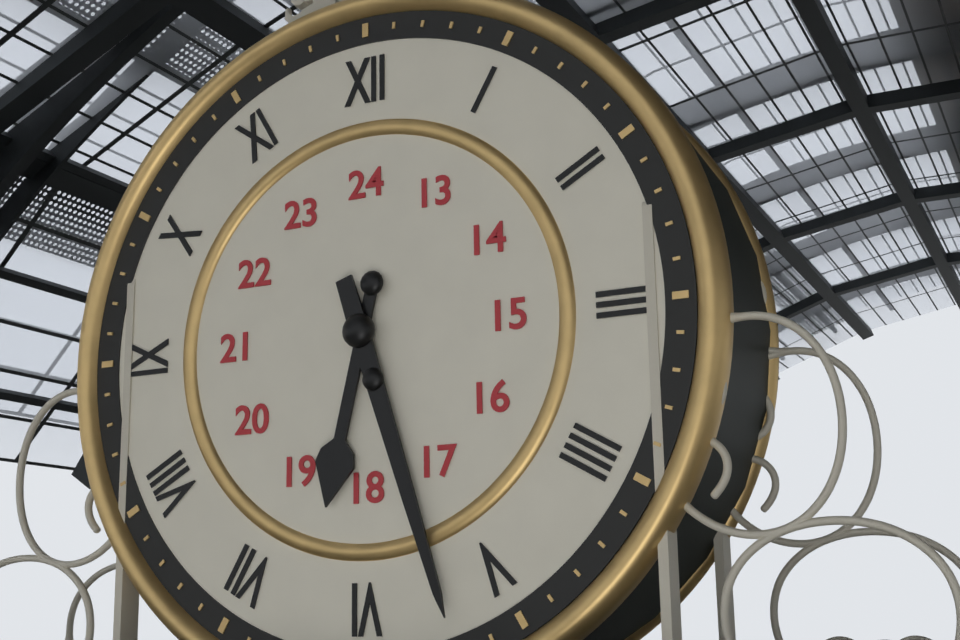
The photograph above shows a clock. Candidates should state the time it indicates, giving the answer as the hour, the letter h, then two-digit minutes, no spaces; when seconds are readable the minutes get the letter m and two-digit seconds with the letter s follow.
6h27
